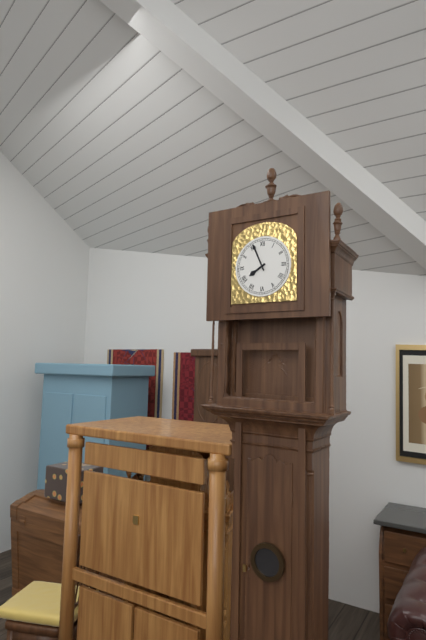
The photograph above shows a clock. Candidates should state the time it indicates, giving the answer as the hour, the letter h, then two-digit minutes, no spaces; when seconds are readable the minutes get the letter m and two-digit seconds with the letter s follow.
7h56
